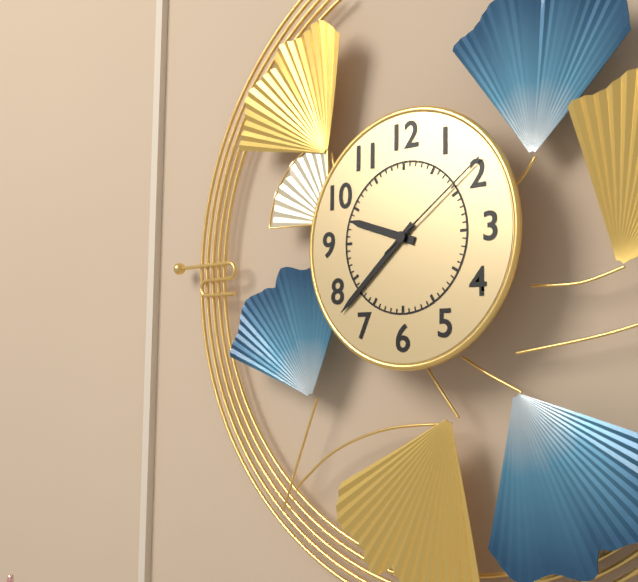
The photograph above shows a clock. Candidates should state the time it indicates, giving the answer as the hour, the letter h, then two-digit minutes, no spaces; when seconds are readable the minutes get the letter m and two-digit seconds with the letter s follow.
9h38m09s
